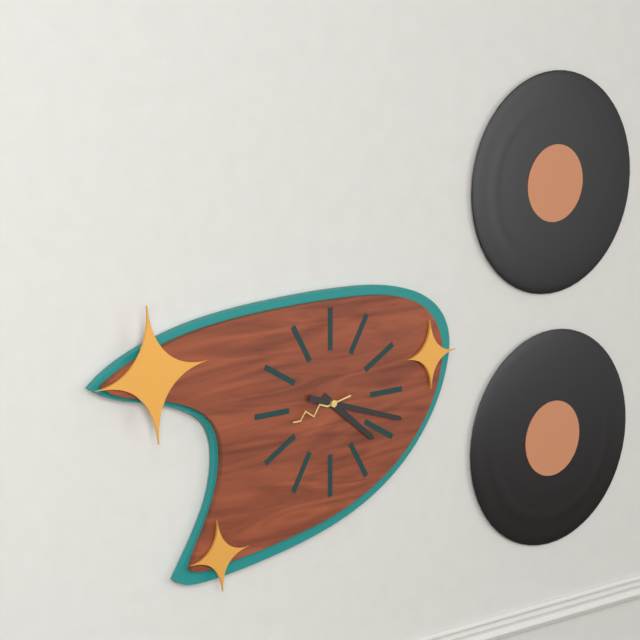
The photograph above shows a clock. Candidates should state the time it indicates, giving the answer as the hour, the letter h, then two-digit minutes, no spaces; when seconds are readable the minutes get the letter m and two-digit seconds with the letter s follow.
4h18
